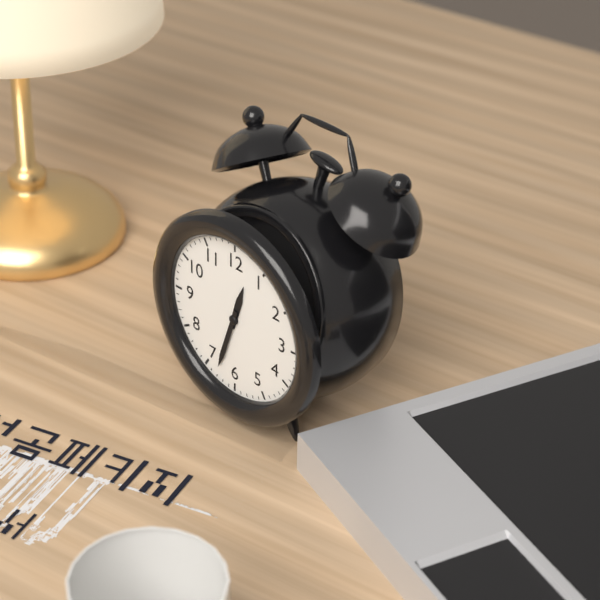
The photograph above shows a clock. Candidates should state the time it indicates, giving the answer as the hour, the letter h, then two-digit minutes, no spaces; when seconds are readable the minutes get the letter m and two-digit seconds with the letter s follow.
12h33
